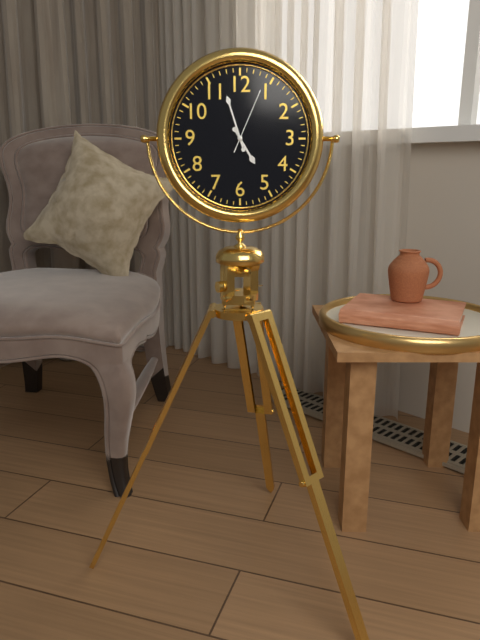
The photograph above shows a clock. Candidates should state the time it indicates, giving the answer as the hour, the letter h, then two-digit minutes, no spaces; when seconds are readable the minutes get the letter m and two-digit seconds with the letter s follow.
4h57m04s
